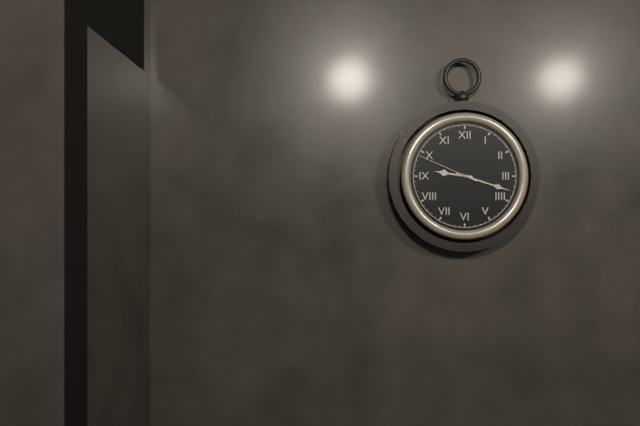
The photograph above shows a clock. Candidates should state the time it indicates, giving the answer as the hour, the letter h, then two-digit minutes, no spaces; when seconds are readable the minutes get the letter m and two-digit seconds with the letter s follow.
9h18m49s
